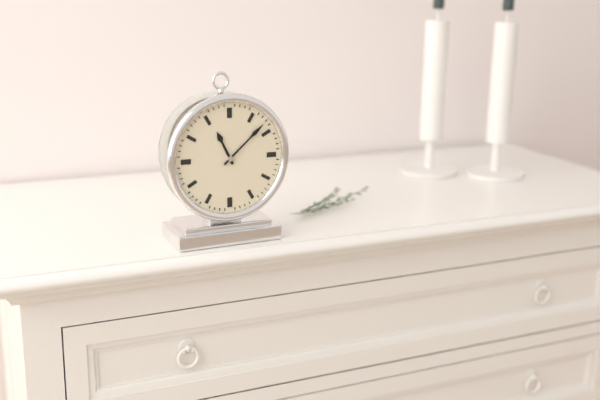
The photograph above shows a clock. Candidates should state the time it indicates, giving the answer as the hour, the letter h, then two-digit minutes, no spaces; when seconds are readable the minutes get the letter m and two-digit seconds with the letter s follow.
11h08
